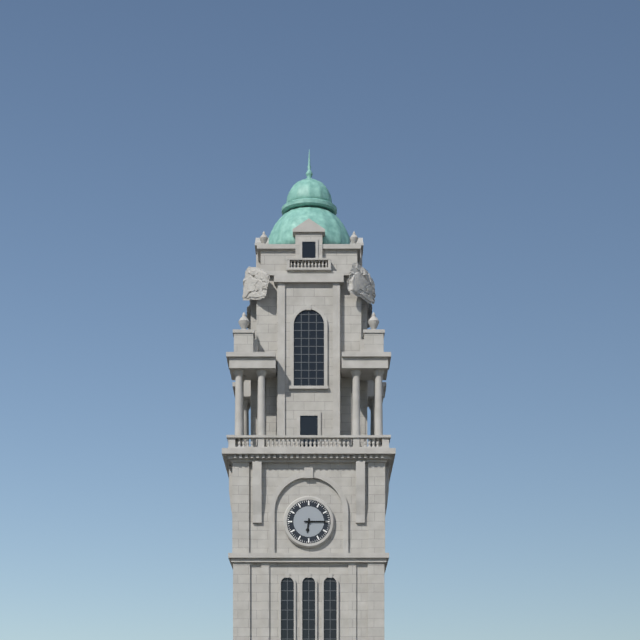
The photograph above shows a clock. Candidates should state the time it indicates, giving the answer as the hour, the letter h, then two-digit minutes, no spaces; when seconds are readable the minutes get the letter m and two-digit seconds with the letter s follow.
6h15
